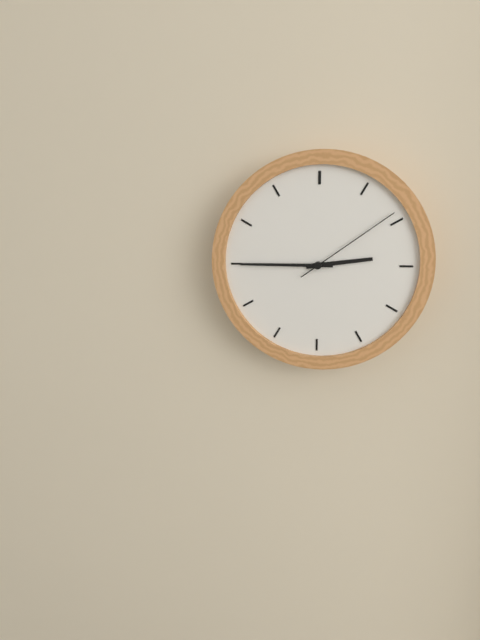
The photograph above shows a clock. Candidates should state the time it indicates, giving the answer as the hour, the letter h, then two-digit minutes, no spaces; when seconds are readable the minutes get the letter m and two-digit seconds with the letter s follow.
2h45m09s
